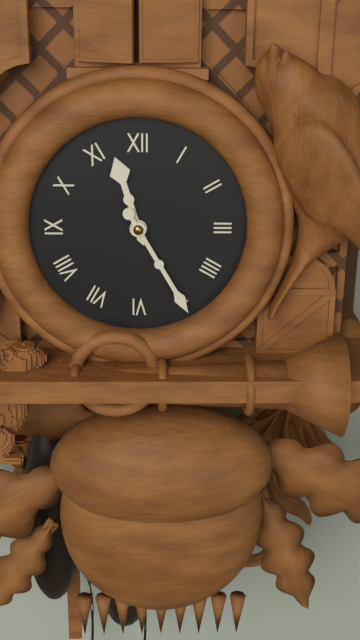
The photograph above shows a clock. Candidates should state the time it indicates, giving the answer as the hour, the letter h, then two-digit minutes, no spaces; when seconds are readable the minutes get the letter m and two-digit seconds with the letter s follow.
11h25
